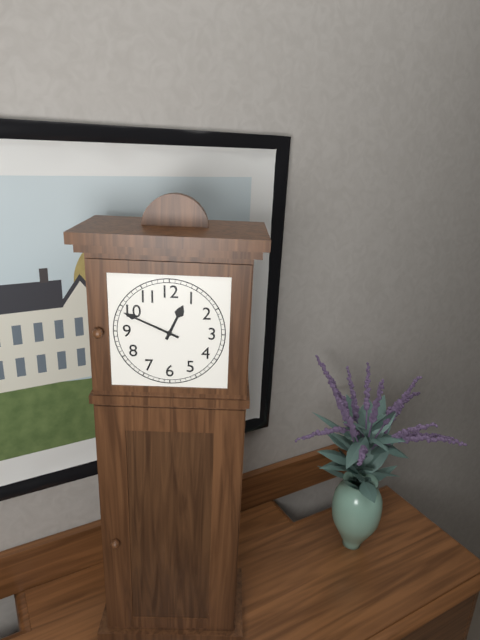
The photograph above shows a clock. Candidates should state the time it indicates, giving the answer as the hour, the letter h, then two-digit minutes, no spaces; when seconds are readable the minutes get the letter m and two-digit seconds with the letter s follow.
12h49
